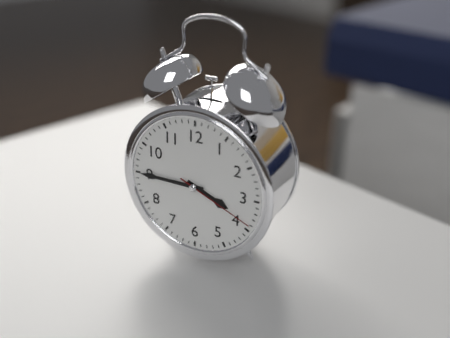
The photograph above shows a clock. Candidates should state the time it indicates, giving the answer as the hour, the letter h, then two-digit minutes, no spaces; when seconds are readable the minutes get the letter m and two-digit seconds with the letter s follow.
3h45m19s
